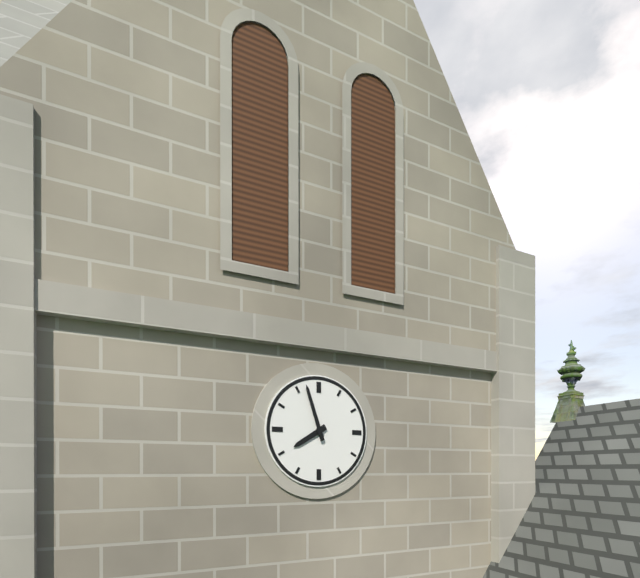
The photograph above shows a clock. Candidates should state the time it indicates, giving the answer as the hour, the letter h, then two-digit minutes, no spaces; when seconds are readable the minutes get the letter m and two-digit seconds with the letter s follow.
7h57
